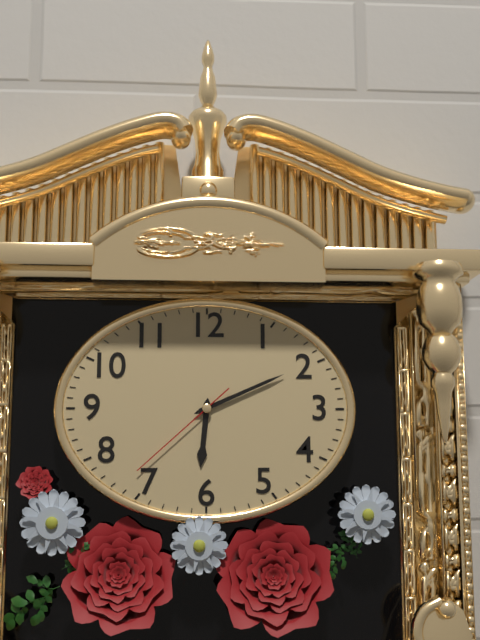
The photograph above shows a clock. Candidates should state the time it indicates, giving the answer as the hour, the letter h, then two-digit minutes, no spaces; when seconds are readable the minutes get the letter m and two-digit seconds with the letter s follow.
6h11m38s
